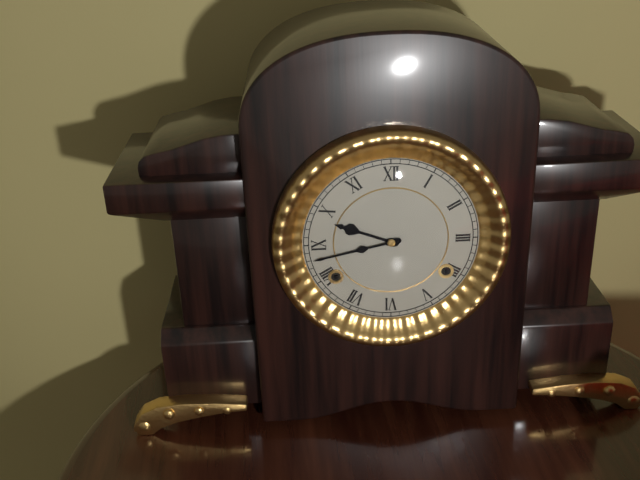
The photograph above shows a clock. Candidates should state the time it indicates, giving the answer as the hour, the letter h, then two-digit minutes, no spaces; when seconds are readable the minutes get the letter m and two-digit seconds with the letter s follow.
9h43
